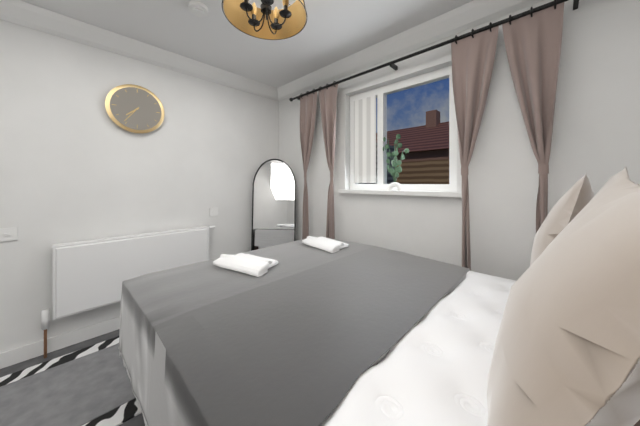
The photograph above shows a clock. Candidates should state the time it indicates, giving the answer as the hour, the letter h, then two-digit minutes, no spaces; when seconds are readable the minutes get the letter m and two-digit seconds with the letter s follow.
7h36
